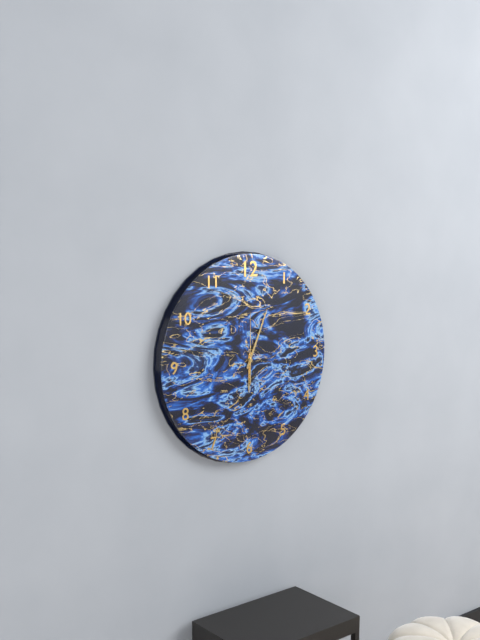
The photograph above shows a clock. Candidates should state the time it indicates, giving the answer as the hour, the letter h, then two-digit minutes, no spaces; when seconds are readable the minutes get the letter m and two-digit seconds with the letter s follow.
6h04m00s
